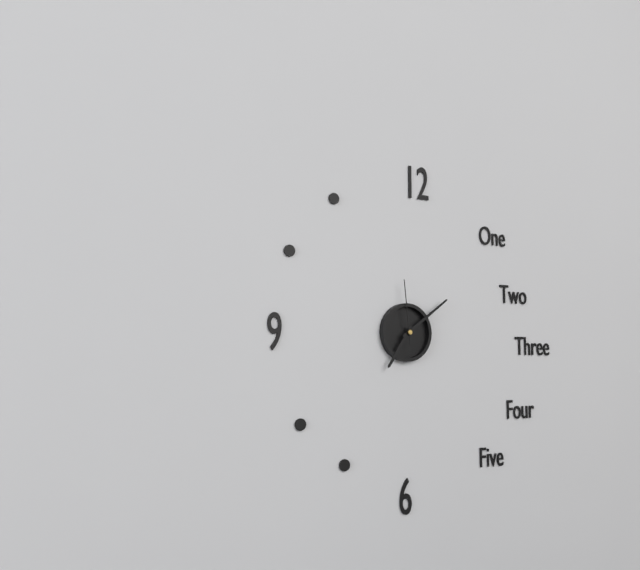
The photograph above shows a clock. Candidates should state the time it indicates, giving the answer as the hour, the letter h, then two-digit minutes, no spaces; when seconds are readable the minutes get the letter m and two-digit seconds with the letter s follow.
7h09m59s
